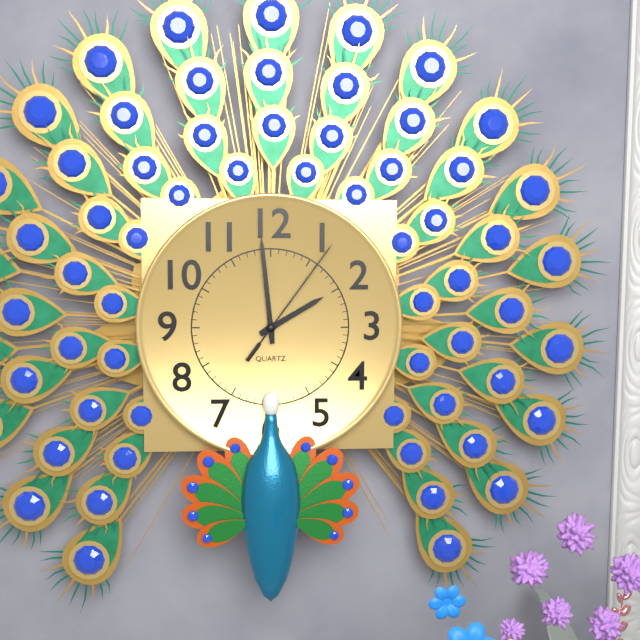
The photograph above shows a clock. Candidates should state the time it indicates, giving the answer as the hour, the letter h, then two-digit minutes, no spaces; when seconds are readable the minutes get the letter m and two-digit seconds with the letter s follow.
1h59m06s
